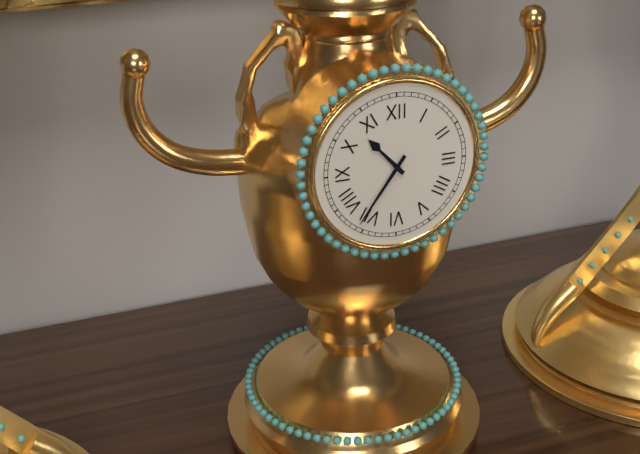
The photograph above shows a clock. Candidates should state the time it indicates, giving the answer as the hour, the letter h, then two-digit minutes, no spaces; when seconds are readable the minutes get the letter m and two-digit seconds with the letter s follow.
10h36
